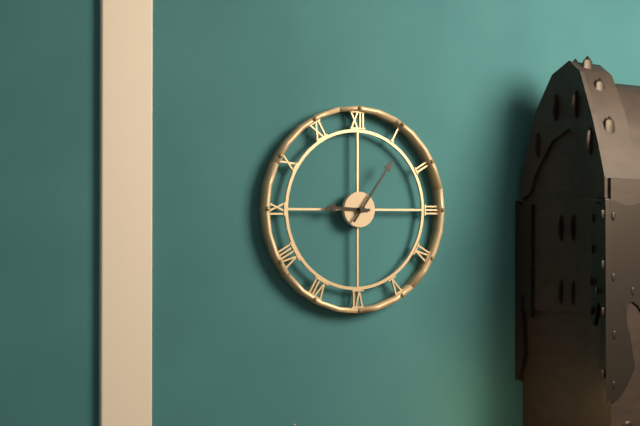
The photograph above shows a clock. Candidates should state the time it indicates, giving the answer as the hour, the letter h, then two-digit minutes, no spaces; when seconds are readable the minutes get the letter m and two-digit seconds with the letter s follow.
9h06
